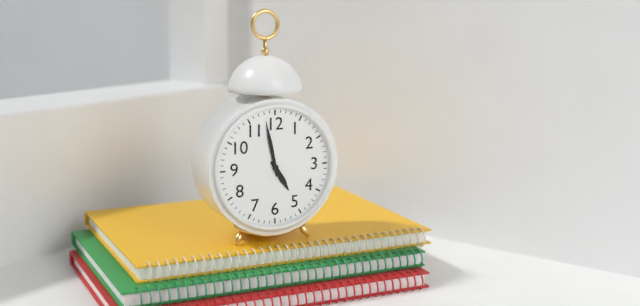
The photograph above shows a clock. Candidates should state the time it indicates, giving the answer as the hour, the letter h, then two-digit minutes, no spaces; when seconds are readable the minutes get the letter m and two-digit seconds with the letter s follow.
4h58
